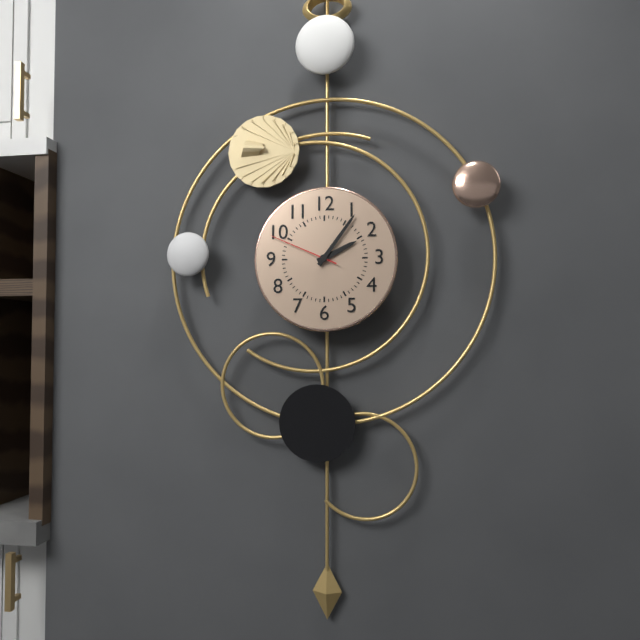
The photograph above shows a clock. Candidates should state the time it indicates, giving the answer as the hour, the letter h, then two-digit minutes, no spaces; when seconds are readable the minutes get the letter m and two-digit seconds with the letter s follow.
2h06m49s
